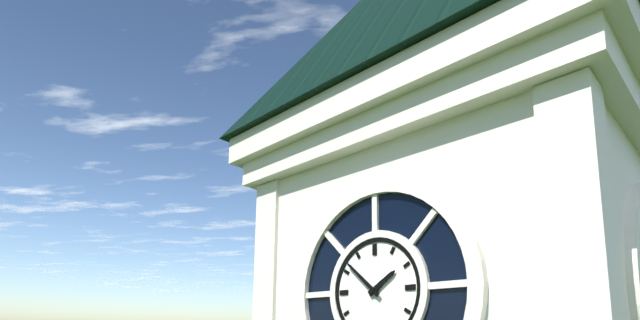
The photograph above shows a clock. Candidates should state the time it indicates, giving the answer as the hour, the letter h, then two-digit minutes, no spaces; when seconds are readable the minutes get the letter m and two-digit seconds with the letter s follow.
1h52
